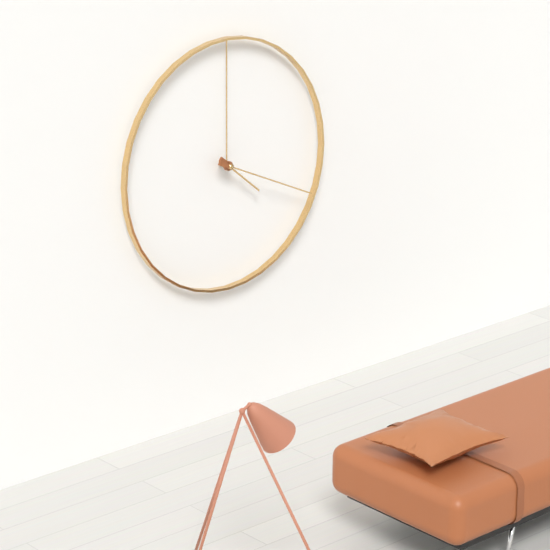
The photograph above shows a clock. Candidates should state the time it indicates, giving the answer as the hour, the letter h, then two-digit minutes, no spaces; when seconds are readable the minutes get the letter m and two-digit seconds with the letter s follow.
4h19
